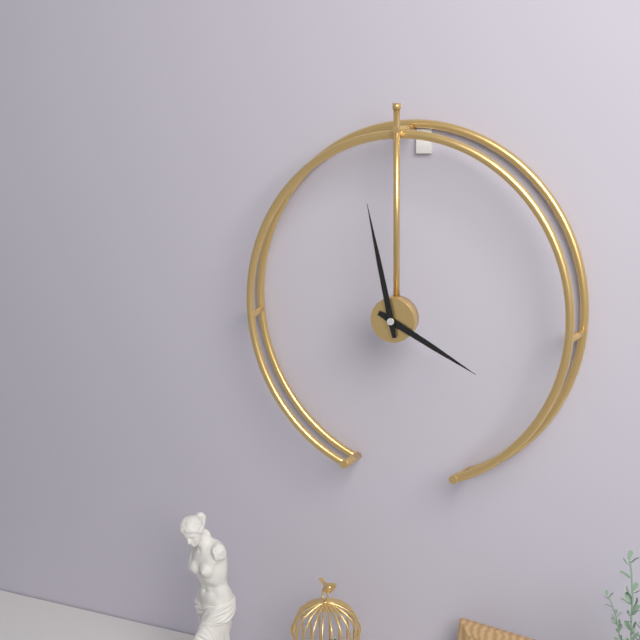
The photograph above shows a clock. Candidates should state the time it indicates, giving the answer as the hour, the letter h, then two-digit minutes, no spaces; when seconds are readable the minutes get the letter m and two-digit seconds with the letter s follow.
3h58
